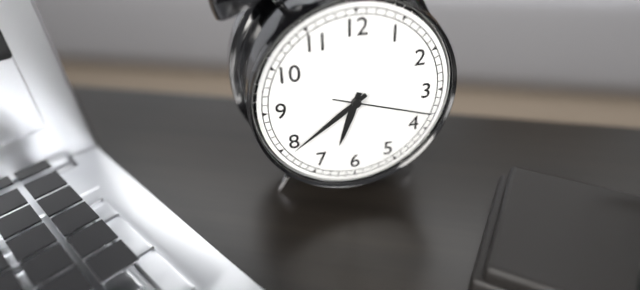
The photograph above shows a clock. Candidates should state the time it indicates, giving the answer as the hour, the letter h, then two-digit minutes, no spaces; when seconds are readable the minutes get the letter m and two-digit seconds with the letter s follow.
6h39m18s
